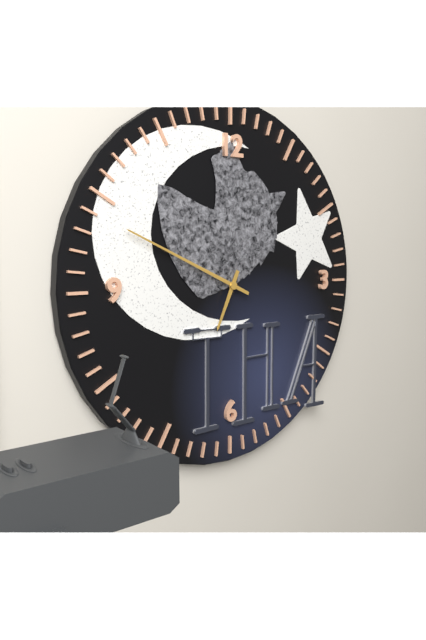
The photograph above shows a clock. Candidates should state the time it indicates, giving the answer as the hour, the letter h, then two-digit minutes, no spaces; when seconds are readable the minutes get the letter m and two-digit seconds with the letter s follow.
6h49
